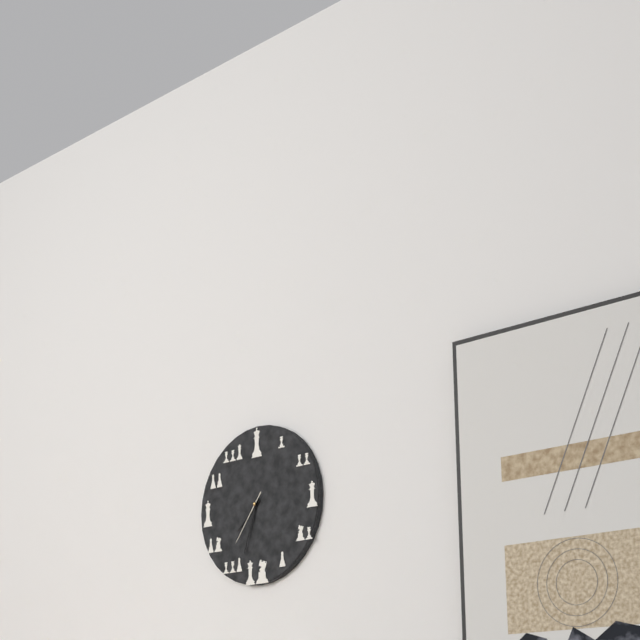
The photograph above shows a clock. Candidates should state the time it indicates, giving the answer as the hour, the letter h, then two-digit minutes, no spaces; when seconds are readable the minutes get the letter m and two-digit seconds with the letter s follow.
7h33m36s
